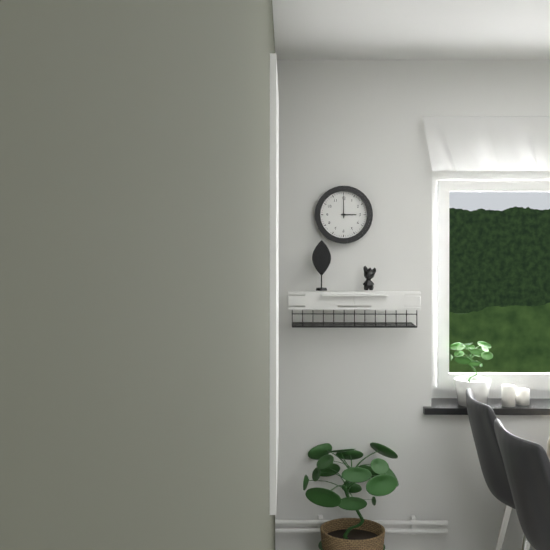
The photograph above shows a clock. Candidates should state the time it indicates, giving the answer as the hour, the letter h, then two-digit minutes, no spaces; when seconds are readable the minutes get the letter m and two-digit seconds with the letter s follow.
3h00
